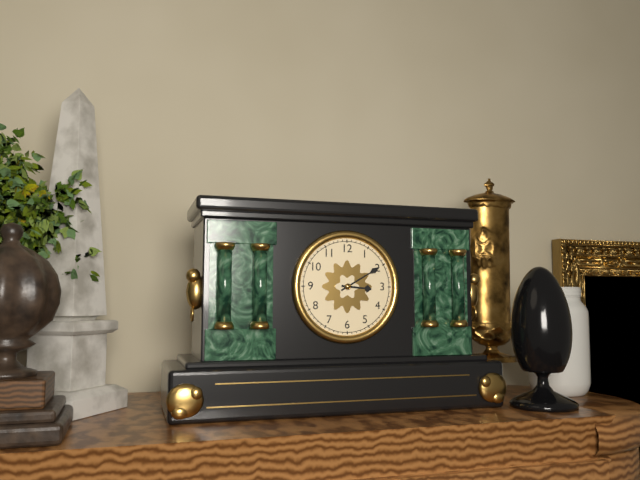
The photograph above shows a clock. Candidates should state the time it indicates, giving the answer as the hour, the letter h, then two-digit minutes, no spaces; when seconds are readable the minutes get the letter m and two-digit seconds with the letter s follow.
3h10
